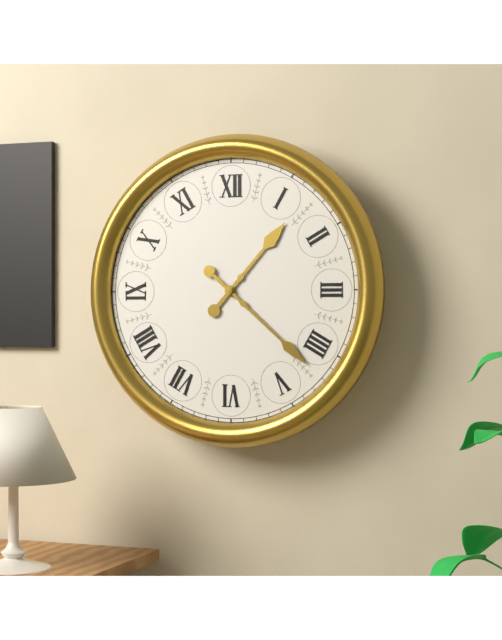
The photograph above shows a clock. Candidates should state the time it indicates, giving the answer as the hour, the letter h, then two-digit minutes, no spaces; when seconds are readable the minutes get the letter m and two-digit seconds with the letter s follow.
1h22
